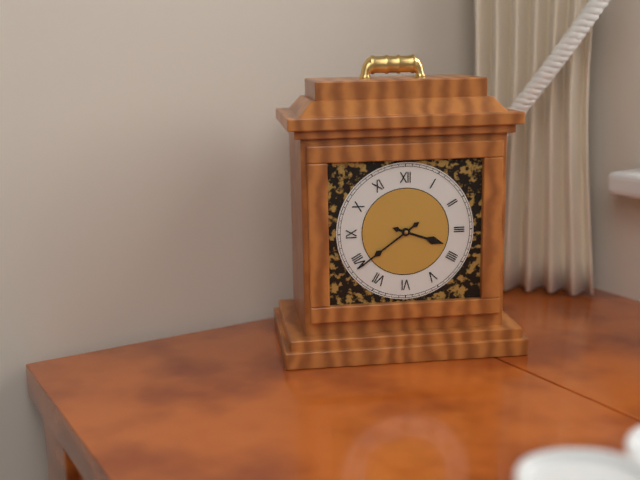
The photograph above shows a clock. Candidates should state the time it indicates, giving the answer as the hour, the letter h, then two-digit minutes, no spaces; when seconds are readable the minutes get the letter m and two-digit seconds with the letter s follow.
3h39
